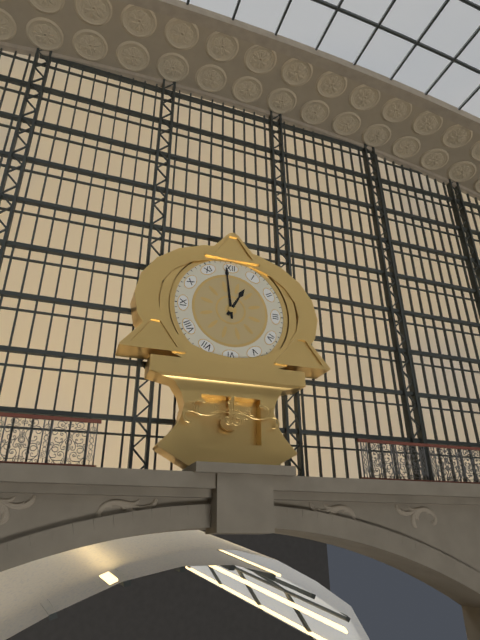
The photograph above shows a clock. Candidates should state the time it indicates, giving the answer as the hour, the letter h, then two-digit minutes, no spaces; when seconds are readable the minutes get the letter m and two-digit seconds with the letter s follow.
12h59
